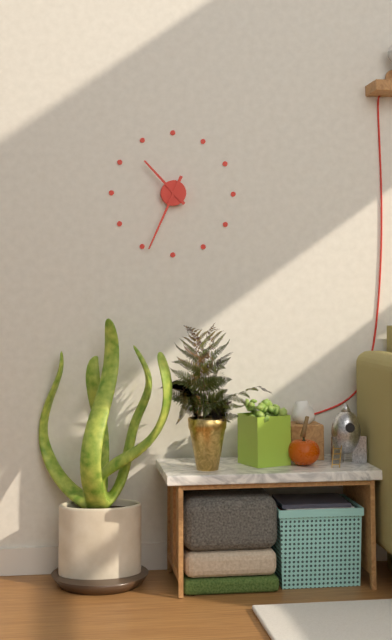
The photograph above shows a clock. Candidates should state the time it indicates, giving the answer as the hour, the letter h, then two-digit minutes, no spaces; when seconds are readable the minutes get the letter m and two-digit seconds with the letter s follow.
10h34
